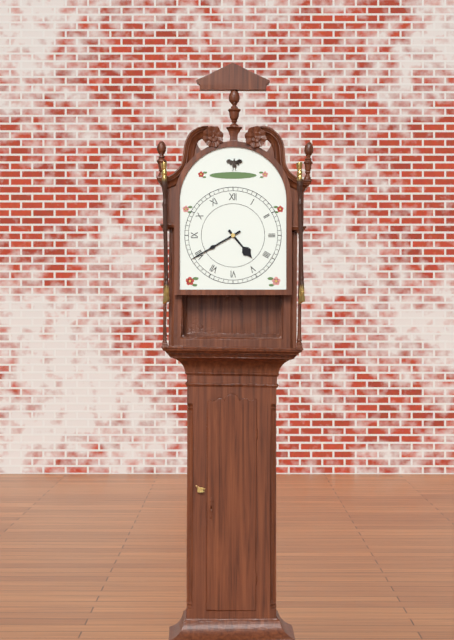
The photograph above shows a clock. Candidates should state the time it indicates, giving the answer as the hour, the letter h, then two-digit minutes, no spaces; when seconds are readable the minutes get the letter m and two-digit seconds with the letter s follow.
4h40
